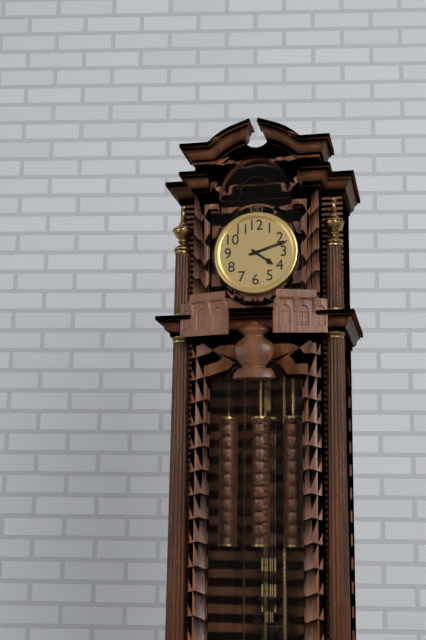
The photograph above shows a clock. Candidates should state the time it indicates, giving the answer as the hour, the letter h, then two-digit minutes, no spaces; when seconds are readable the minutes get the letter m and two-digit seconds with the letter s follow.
4h12
